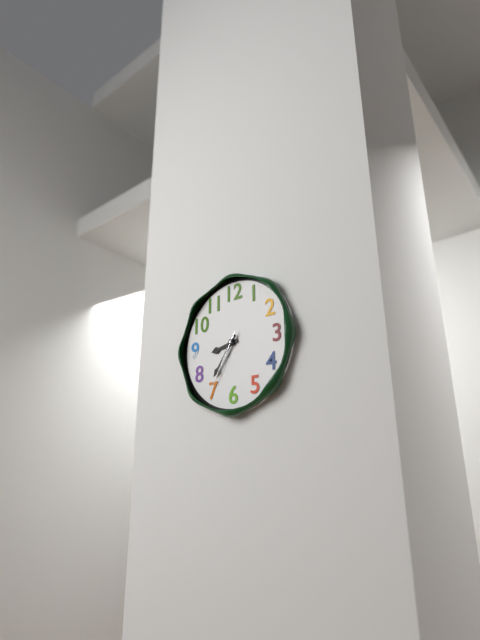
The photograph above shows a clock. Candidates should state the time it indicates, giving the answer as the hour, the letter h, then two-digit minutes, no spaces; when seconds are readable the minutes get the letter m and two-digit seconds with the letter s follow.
8h36m35s
